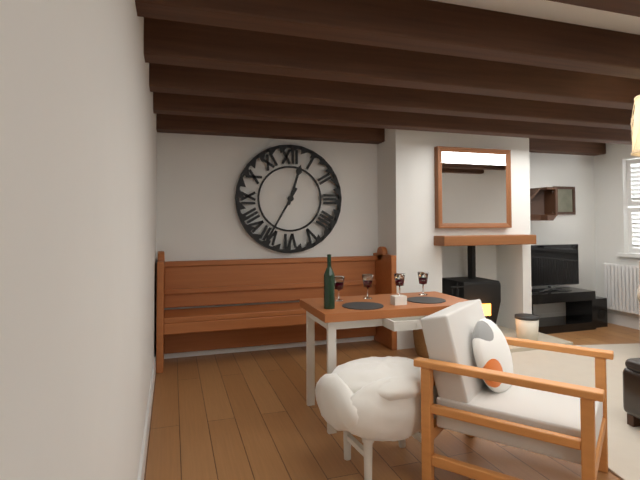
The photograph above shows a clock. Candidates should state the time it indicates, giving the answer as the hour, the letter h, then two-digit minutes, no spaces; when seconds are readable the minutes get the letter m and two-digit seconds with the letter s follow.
12h35
